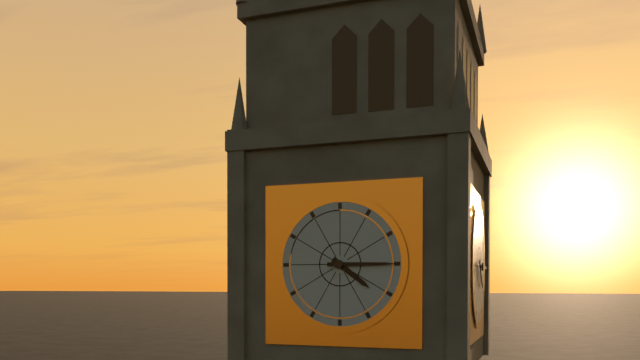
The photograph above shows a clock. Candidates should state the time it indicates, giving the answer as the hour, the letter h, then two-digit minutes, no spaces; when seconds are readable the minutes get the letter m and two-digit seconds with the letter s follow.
4h15
